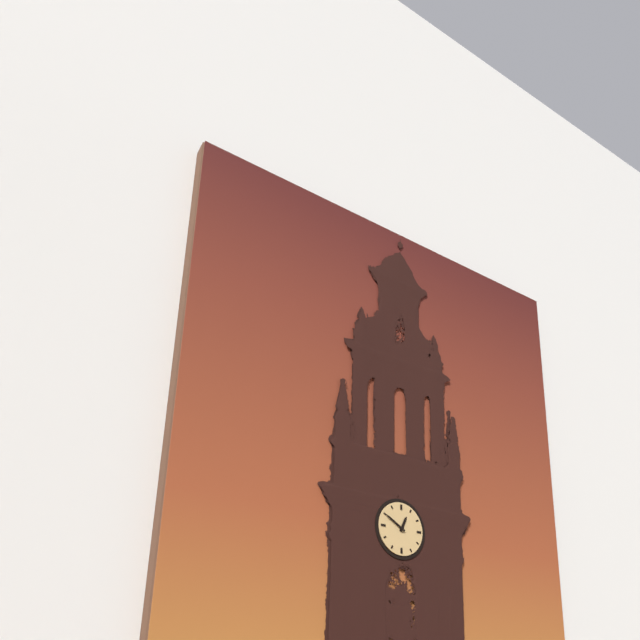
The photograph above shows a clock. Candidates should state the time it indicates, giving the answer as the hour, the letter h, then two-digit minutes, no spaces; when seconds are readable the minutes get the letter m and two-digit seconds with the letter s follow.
12h50
